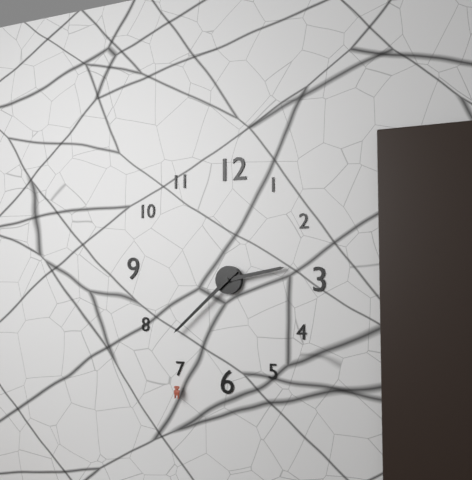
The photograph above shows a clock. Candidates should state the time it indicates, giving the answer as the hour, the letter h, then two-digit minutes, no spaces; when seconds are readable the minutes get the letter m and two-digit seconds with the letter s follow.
2h38
